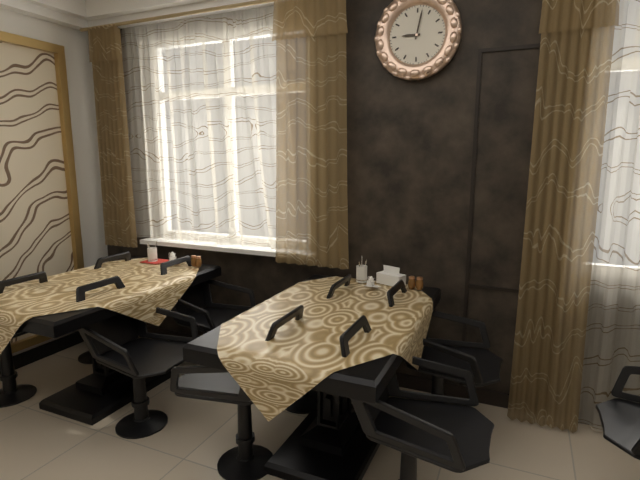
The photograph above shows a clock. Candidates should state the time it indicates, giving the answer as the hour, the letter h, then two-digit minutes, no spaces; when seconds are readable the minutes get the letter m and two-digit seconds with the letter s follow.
9h02
